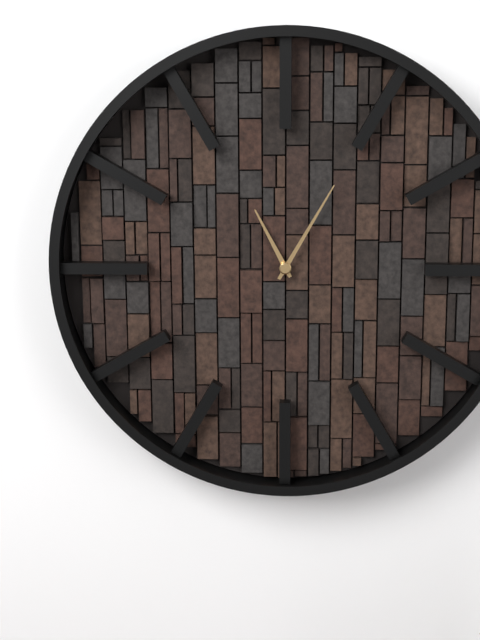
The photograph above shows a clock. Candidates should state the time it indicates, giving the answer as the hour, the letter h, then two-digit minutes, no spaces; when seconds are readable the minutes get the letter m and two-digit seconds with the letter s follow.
11h05
